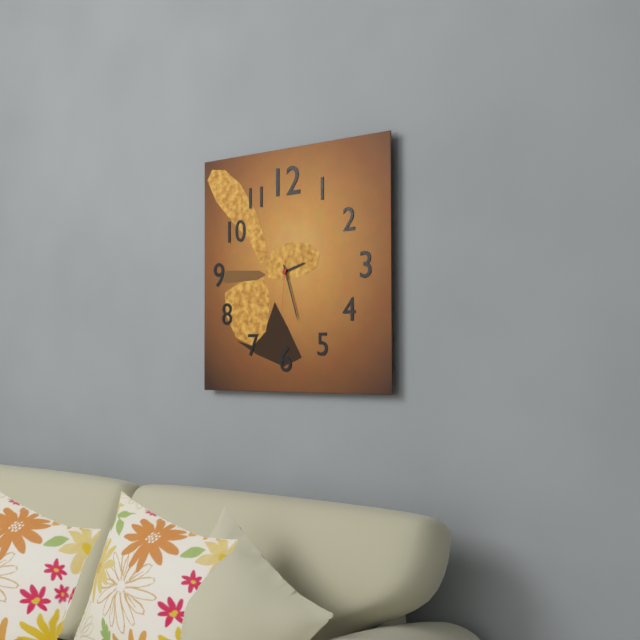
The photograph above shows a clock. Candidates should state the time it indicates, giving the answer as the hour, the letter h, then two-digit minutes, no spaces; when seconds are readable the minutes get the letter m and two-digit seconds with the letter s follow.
2h27m31s
